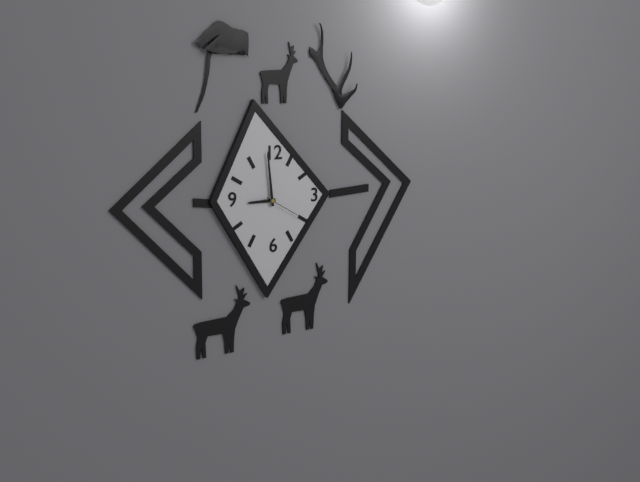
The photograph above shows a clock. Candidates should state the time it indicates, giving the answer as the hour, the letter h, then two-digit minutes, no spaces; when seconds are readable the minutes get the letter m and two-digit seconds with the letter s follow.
8h59
